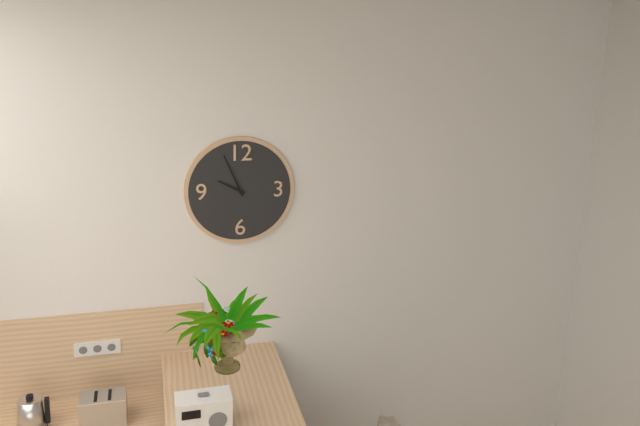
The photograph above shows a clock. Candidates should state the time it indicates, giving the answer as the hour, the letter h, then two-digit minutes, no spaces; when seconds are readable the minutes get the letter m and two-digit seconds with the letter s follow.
9h56
